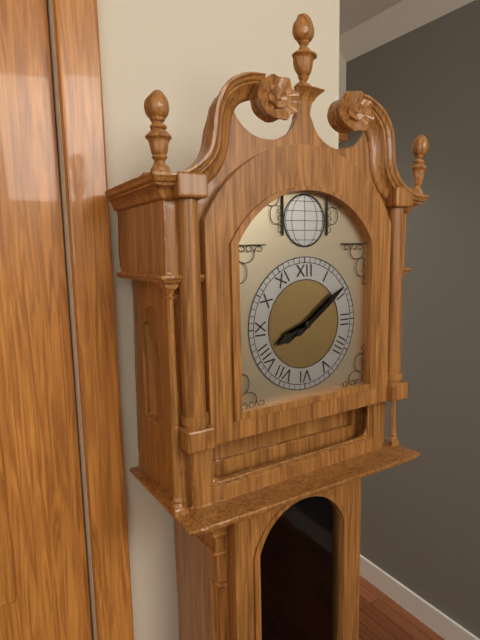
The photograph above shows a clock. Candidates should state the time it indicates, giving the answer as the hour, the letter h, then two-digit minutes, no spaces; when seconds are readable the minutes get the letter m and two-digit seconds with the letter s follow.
8h09
